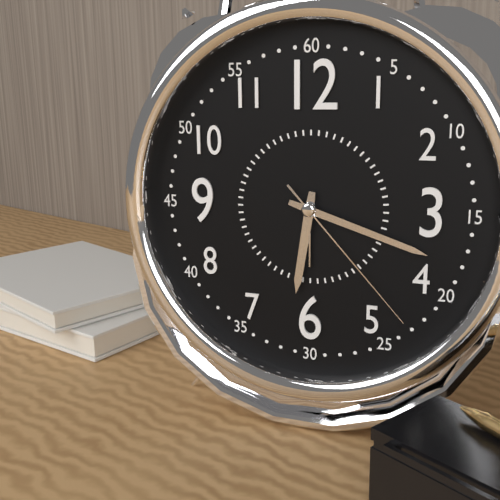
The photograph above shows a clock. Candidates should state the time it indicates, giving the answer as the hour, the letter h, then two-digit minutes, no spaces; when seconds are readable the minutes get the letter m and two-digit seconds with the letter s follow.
6h18m23s
